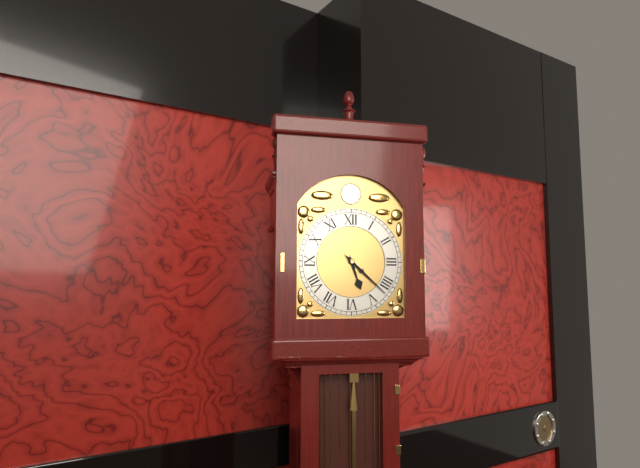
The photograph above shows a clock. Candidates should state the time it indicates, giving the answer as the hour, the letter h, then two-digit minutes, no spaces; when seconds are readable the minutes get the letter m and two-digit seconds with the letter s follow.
5h22
